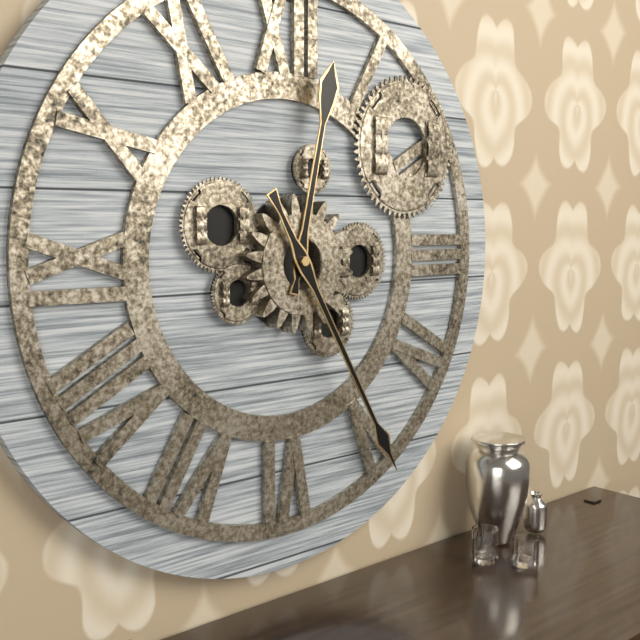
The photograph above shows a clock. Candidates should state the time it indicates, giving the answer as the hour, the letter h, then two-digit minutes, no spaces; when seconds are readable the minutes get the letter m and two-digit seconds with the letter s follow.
12h25
